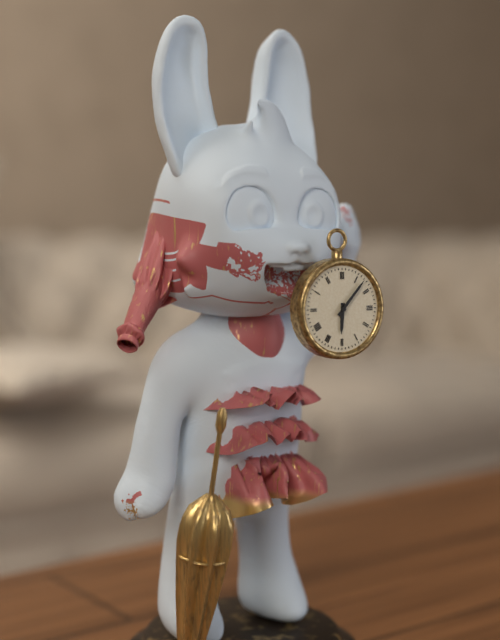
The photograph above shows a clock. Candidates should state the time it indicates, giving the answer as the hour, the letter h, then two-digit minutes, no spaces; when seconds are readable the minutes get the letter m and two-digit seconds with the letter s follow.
6h07
